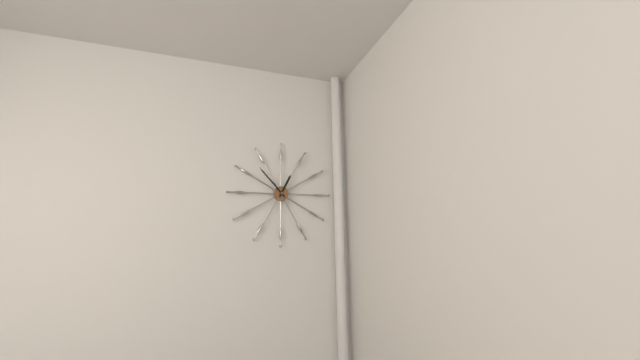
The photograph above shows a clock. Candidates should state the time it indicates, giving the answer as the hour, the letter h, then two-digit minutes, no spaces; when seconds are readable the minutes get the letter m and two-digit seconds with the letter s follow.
12h53
